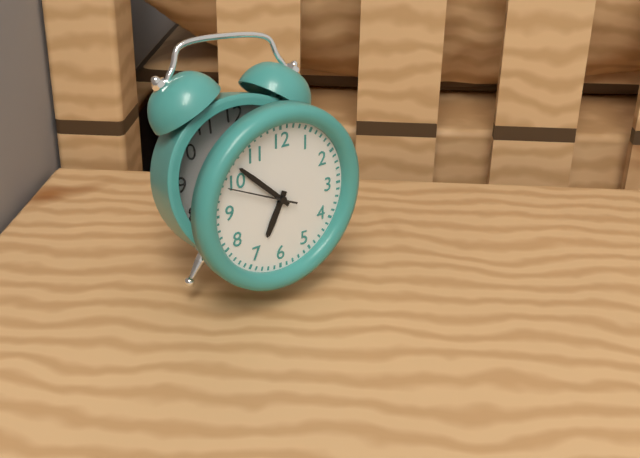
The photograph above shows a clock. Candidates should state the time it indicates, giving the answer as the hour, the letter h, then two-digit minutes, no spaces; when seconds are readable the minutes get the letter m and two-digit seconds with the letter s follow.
6h52m49s
